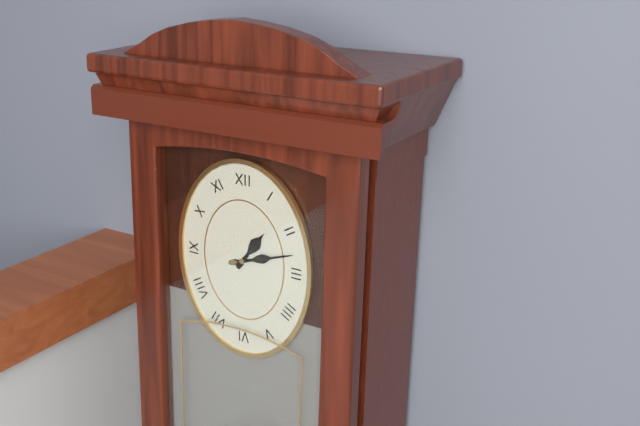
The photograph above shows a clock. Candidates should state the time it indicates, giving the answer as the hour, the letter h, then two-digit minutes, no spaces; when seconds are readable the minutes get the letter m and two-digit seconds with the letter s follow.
1h12
